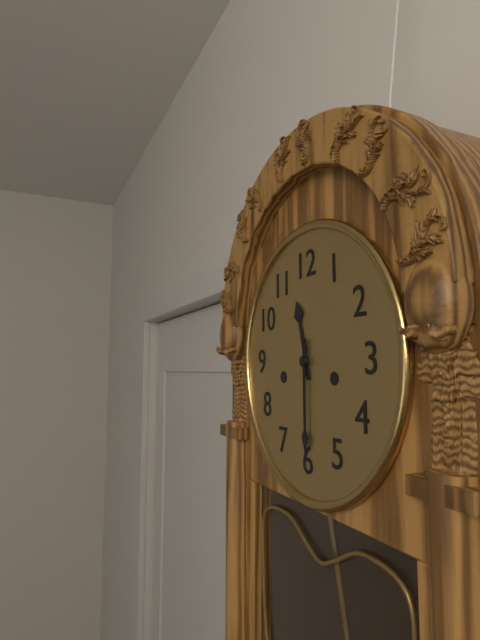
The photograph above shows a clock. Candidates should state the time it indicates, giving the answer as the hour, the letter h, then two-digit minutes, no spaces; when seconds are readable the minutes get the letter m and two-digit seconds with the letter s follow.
11h30
